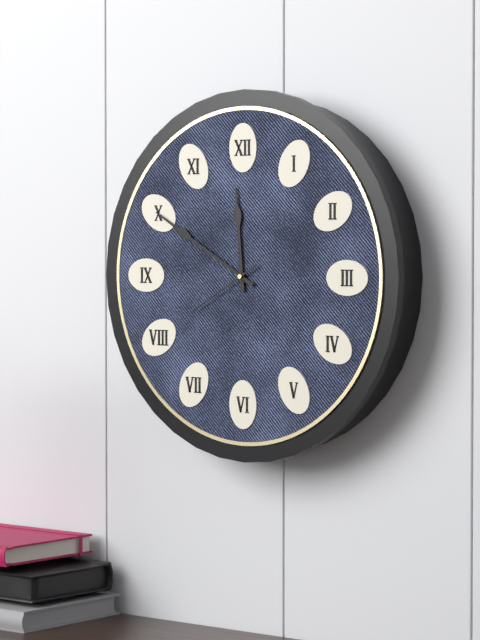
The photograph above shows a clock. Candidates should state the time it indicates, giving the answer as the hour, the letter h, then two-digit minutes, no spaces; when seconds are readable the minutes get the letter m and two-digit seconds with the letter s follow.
11h50m40s
